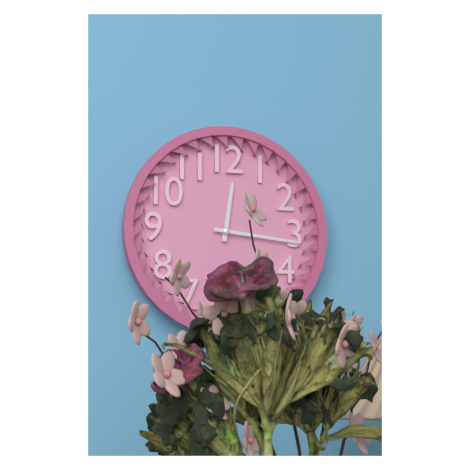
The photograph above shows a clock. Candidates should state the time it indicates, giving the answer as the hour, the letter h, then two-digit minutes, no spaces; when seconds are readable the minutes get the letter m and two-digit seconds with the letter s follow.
12h16
